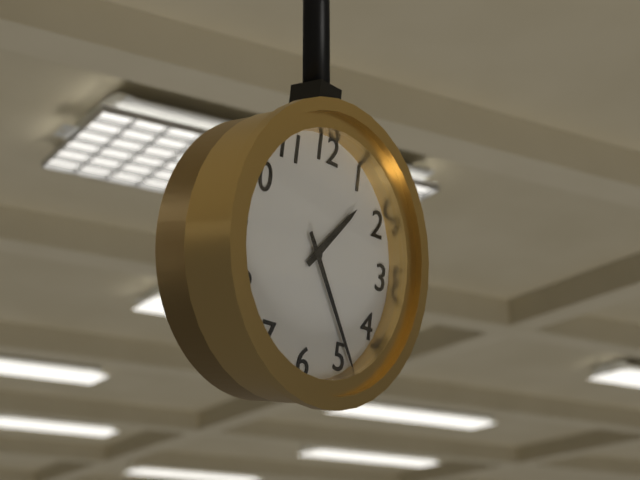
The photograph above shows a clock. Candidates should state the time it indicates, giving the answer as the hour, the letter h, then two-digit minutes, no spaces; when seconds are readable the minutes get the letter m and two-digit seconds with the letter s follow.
1h24
